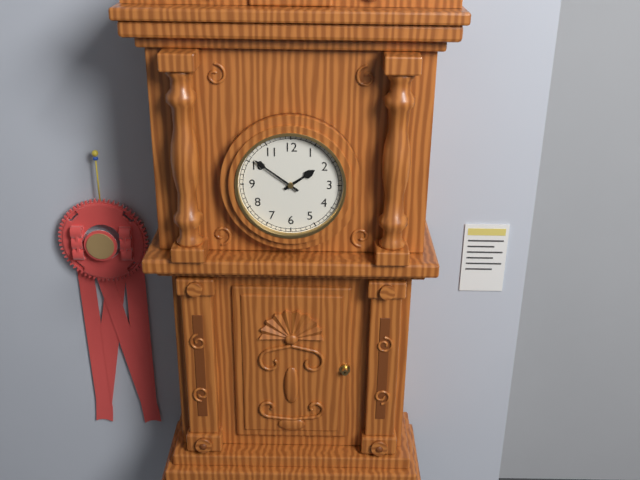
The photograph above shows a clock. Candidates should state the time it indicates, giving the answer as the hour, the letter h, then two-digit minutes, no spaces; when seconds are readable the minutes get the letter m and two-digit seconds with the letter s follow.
1h51
